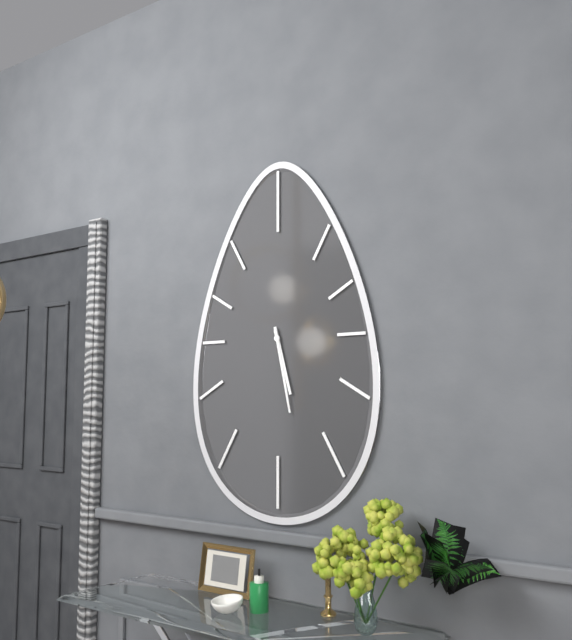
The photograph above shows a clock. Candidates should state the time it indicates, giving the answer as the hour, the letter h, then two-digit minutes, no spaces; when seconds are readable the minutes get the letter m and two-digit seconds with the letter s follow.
5h28
